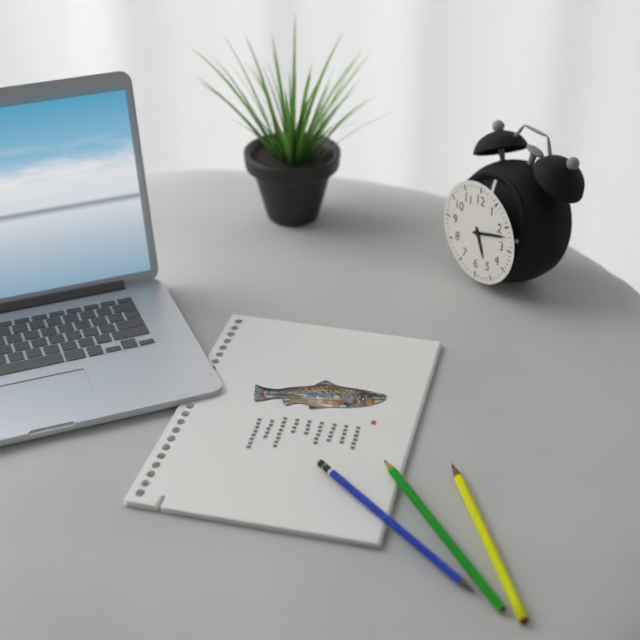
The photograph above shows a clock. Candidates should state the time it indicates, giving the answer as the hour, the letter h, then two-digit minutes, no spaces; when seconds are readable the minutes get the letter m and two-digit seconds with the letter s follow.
5h12
